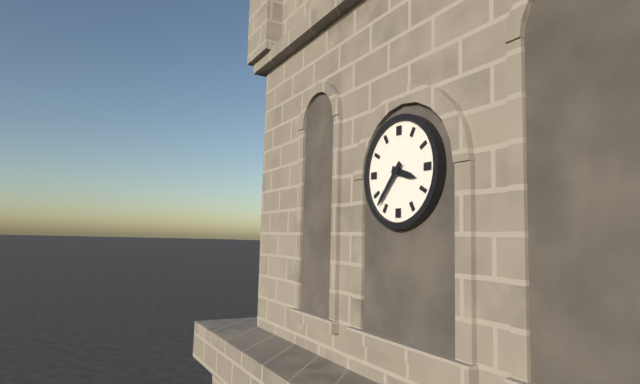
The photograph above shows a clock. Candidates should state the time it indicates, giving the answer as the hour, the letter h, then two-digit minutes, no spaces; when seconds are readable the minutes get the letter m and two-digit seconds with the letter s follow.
3h37
